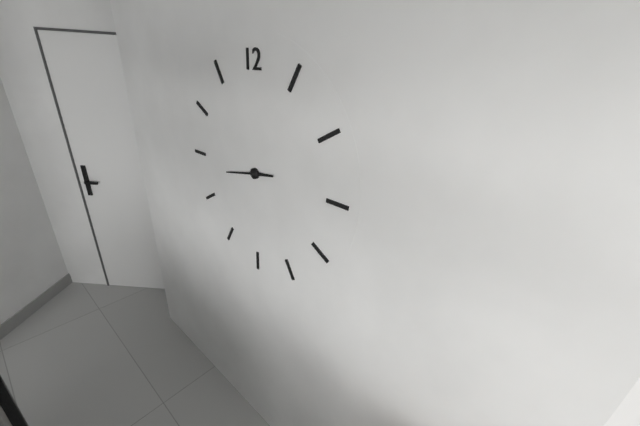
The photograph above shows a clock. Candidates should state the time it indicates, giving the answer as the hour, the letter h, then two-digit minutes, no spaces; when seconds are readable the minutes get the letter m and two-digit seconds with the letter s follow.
2h43
